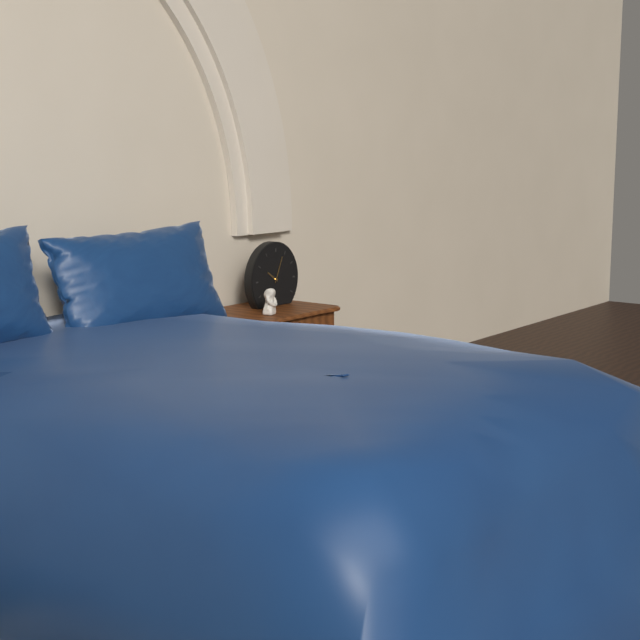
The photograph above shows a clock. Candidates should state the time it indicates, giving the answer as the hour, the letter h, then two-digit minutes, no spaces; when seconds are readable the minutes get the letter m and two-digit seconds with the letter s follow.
10h04
